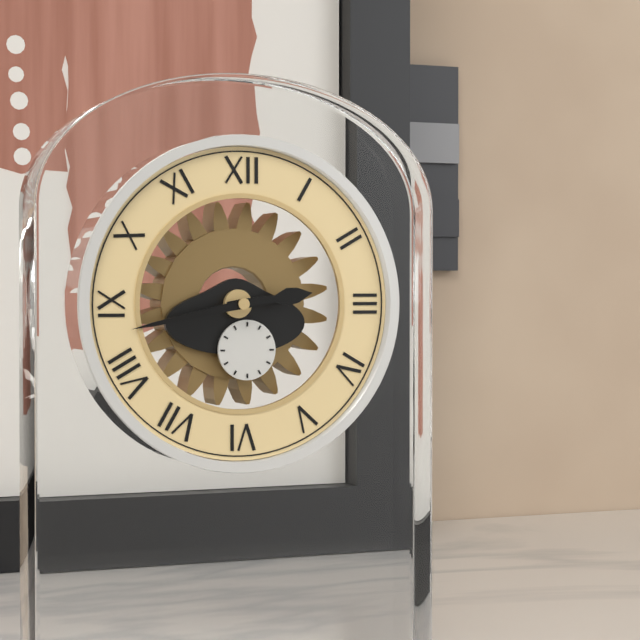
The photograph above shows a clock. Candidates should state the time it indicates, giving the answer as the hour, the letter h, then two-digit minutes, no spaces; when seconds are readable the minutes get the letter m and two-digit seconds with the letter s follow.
2h43
